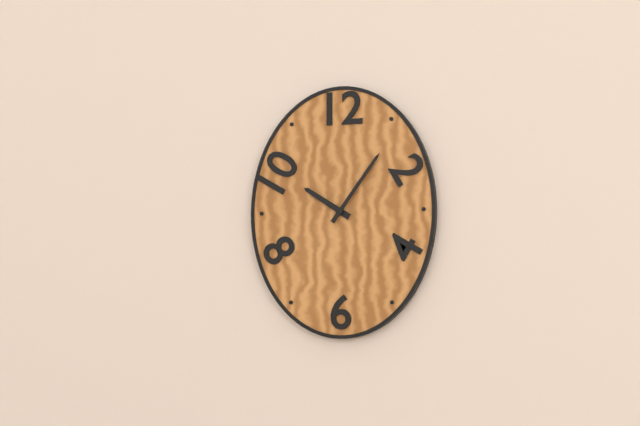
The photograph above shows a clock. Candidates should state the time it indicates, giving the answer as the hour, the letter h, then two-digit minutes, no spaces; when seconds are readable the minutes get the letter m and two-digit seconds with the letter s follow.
10h06
